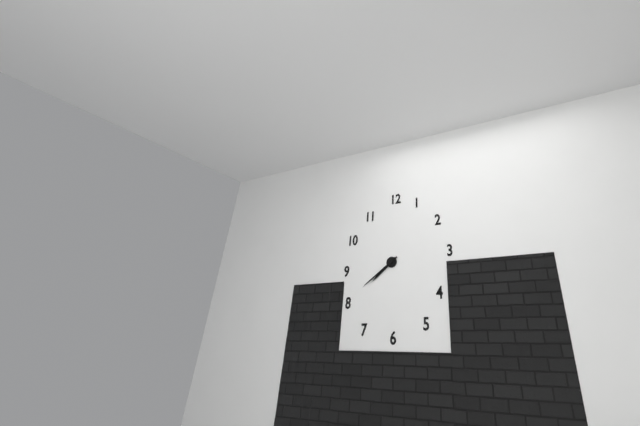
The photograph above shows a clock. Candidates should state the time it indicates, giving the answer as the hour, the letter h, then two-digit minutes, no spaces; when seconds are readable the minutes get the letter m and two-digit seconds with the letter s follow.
7h39
